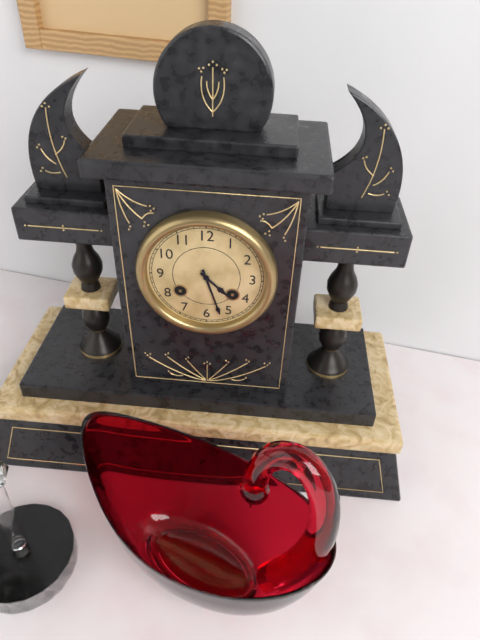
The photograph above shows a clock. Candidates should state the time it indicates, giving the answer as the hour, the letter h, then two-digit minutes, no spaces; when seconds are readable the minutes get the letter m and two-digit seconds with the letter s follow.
4h27
